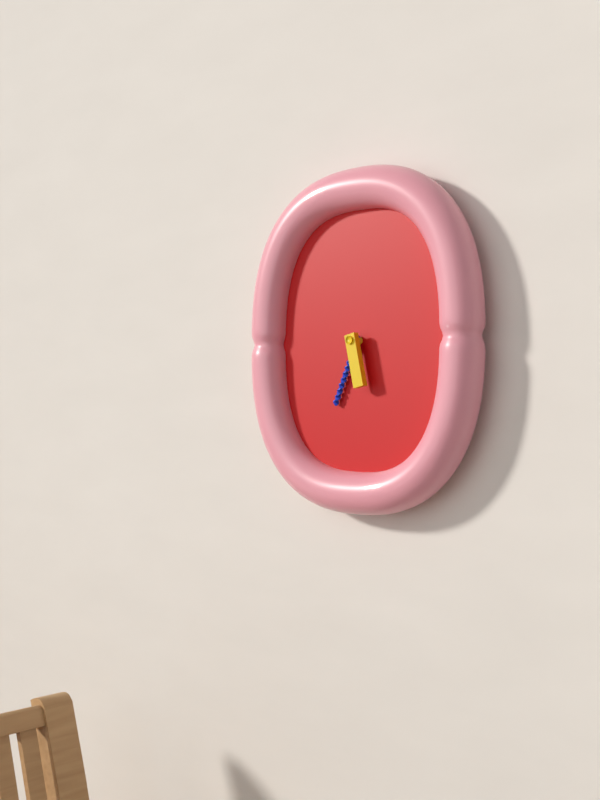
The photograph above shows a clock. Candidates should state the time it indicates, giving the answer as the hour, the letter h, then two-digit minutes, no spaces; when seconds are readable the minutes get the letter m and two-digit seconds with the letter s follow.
5h34
